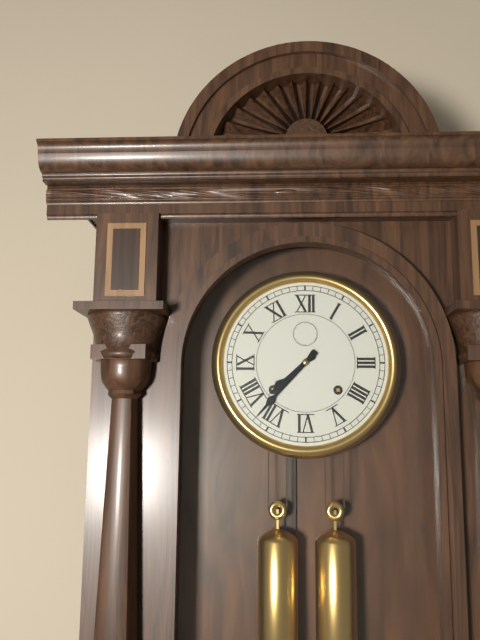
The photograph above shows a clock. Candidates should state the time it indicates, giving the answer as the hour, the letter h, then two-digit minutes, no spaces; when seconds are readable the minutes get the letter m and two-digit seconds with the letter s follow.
7h37
